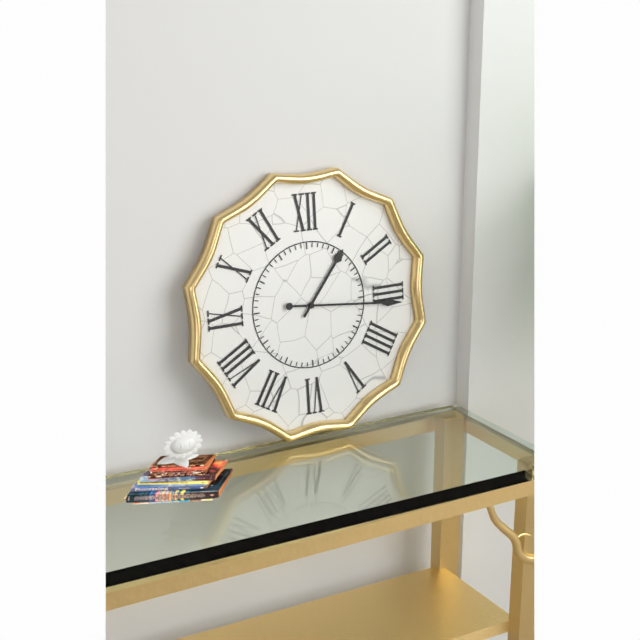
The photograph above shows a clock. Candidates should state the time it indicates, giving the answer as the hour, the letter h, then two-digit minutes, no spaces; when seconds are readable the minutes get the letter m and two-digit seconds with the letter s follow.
1h16
